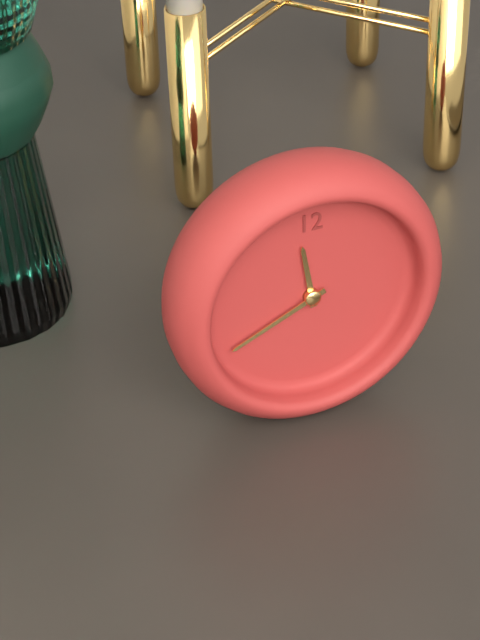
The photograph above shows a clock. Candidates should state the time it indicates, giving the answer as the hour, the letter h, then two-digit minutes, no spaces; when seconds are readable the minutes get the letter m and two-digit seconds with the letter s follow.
11h41
